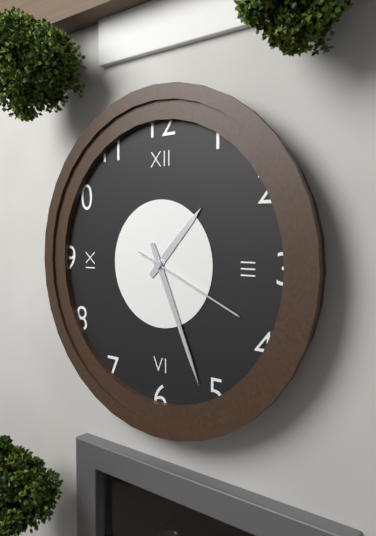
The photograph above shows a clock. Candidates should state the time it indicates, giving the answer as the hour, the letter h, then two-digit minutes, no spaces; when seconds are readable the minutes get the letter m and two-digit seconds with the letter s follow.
1h26m19s
